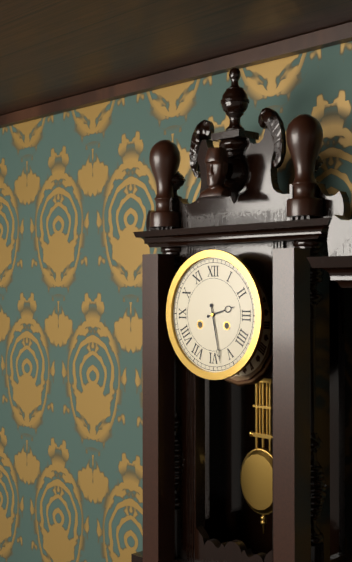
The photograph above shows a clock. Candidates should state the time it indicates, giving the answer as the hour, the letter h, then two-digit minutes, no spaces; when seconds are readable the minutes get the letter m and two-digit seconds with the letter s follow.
2h28
